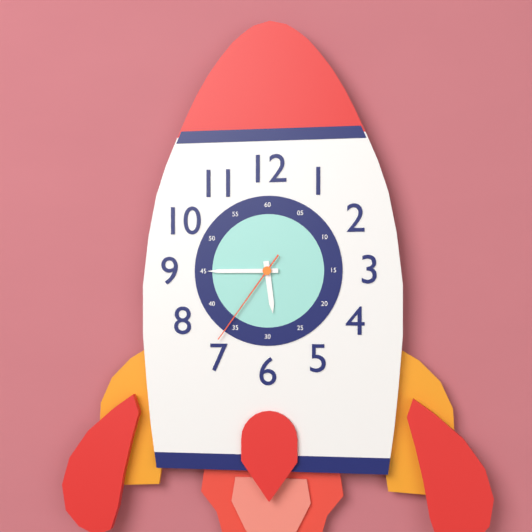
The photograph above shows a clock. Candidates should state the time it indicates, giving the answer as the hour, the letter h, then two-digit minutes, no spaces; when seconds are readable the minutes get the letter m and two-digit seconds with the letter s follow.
5h45m36s
